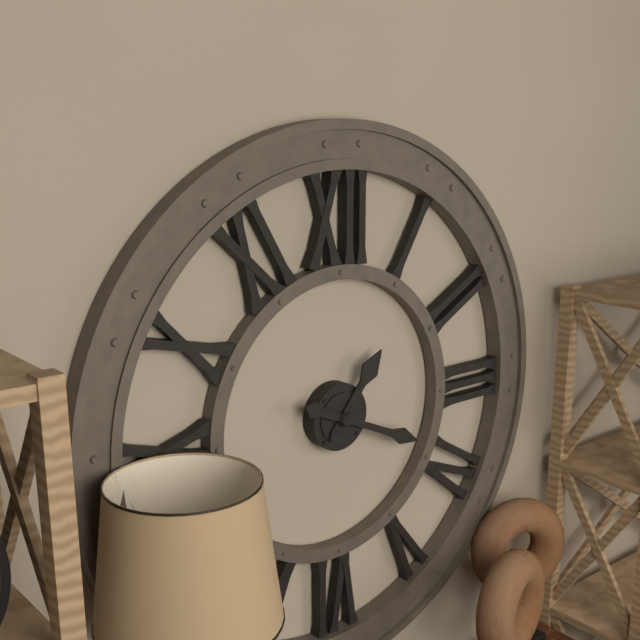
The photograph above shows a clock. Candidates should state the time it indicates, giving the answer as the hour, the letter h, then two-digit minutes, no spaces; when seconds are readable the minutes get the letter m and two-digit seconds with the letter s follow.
1h19
